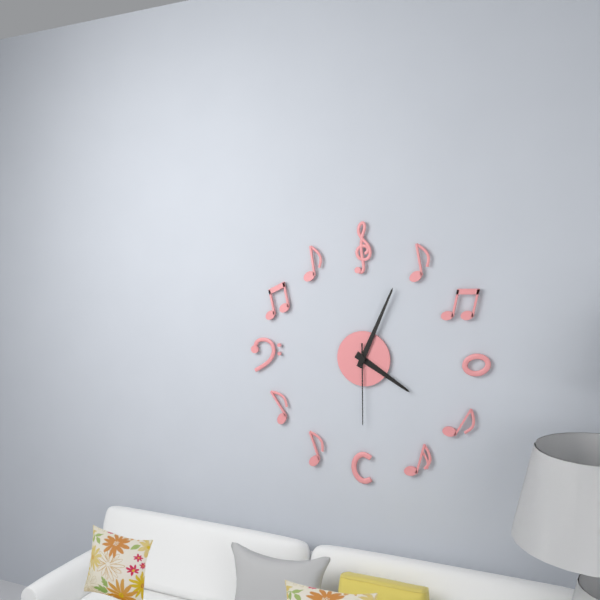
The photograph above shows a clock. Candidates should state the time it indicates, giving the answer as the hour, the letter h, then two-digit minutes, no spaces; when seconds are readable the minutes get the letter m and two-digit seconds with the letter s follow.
4h04m30s
